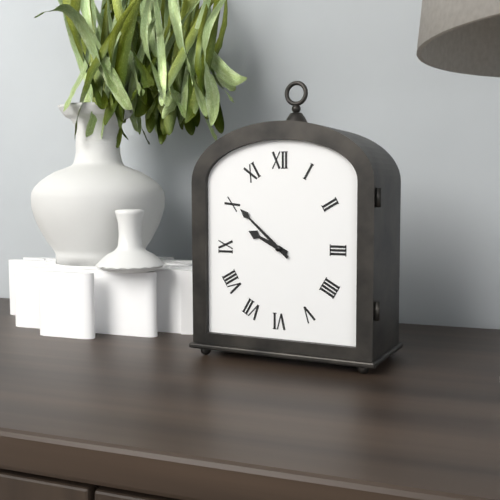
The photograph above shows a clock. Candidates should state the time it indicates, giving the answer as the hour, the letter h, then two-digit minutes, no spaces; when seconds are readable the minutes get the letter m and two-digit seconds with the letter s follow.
9h52
